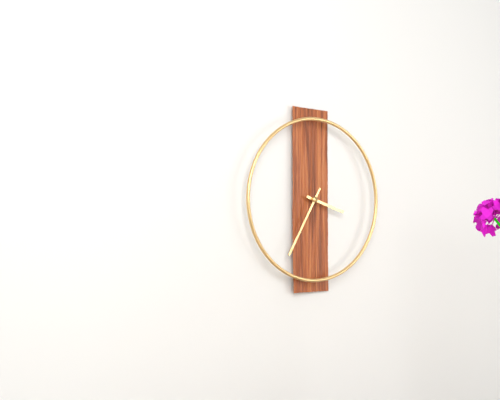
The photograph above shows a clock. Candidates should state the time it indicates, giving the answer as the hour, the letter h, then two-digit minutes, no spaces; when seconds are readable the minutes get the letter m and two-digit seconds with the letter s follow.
3h35
